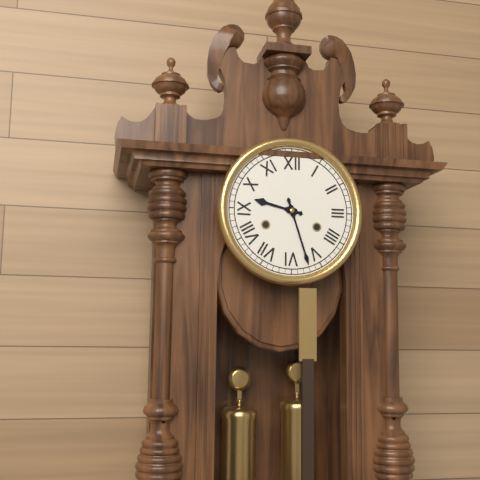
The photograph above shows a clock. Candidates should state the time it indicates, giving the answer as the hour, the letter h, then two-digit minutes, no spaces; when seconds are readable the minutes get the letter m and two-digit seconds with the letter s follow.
9h27
